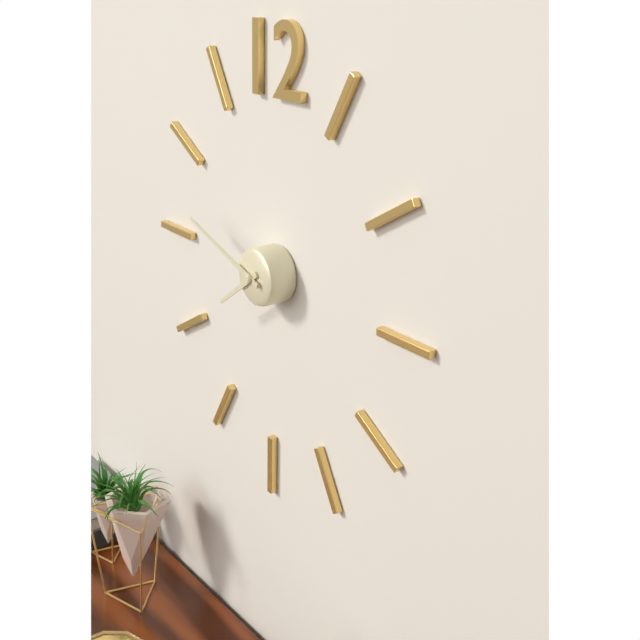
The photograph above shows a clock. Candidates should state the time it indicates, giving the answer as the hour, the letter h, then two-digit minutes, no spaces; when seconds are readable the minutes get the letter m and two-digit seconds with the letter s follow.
7h48
